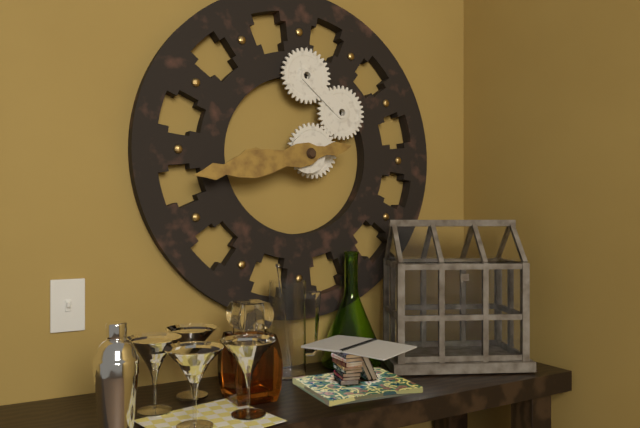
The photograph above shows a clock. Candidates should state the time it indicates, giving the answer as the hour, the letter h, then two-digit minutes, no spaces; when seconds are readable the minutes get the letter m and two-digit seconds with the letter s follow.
8h43
